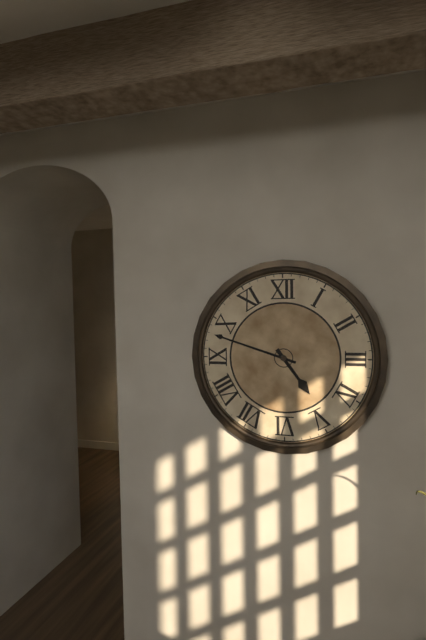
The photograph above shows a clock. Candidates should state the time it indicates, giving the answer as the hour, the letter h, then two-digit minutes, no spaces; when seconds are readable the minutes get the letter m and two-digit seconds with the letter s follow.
4h48
